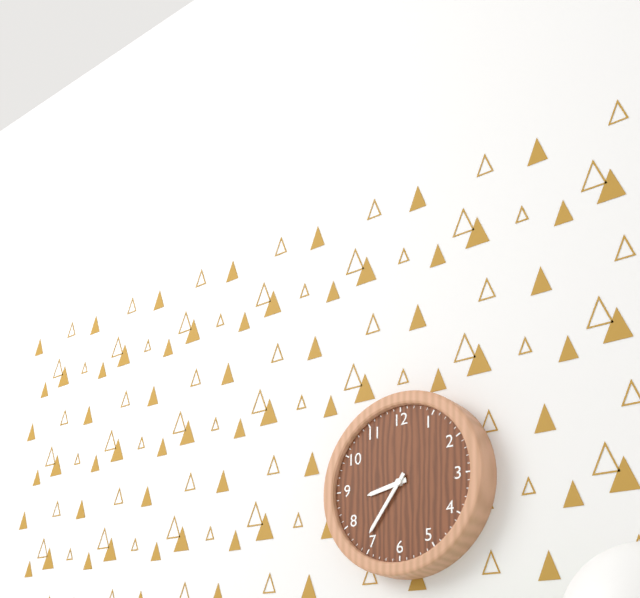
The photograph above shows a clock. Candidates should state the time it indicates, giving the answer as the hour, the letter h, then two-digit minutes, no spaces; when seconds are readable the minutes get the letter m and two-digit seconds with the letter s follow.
8h36
